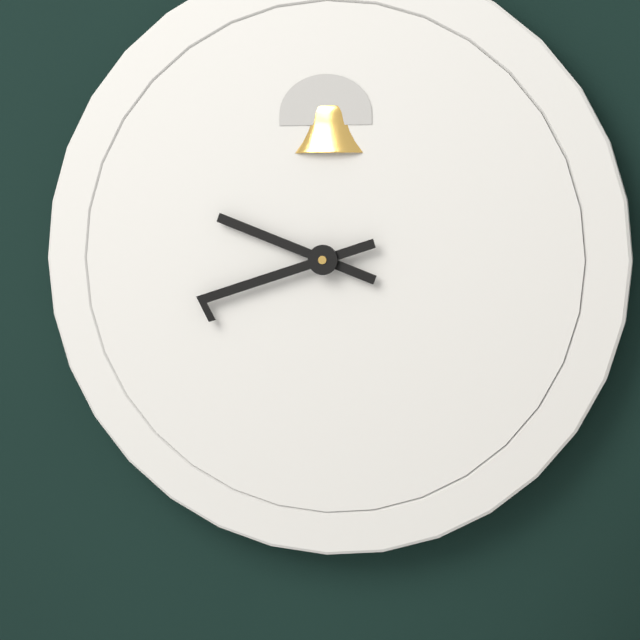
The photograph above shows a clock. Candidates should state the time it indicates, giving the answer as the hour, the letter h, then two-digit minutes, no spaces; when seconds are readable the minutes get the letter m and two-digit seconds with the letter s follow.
9h42
